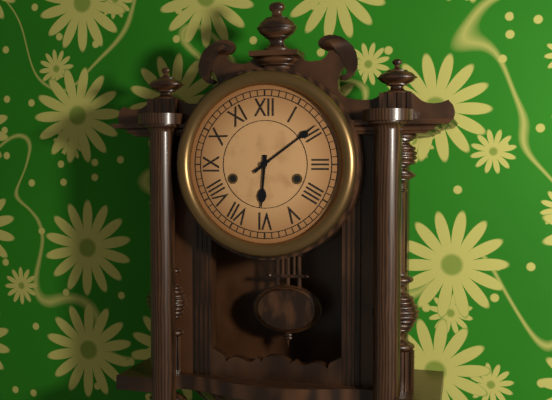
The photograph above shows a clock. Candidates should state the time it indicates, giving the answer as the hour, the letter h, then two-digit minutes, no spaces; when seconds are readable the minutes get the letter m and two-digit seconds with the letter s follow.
6h09
